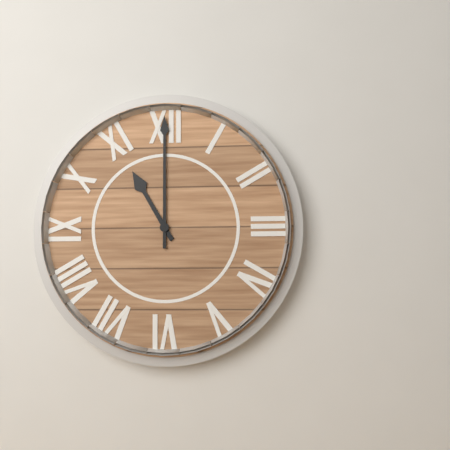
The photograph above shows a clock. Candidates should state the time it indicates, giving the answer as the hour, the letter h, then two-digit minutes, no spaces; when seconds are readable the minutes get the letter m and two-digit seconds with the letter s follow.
11h00
